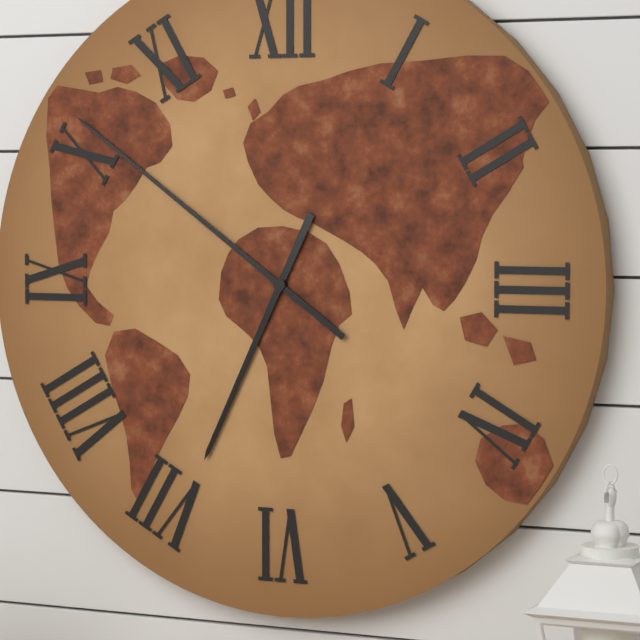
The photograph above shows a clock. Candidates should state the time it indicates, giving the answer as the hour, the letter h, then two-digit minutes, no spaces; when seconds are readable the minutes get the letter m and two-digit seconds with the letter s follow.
6h51
